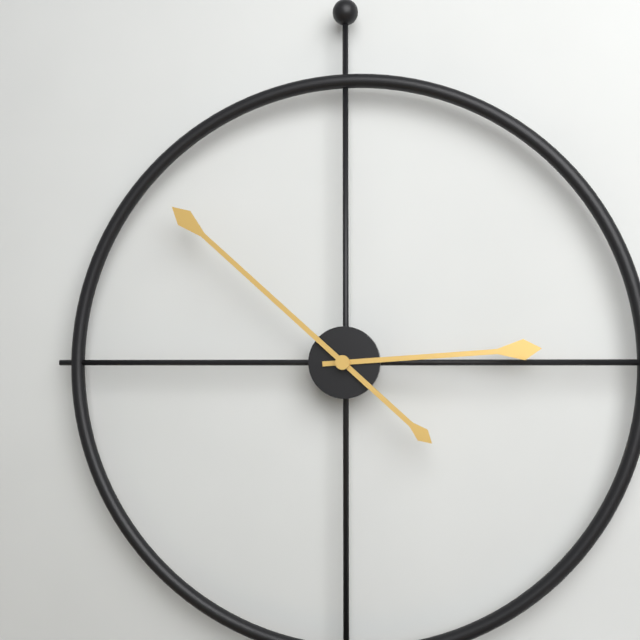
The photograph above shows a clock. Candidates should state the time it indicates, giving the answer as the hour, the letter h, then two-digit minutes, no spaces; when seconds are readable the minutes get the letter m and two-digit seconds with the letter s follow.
2h52
